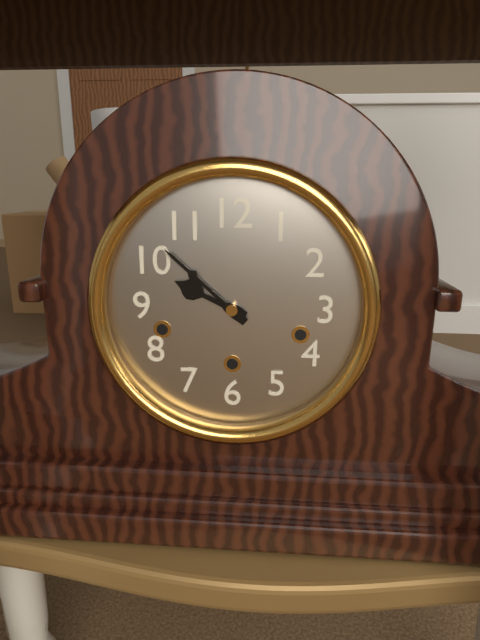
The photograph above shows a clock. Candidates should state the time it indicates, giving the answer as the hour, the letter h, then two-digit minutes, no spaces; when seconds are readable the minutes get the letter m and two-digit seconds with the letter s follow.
9h52
